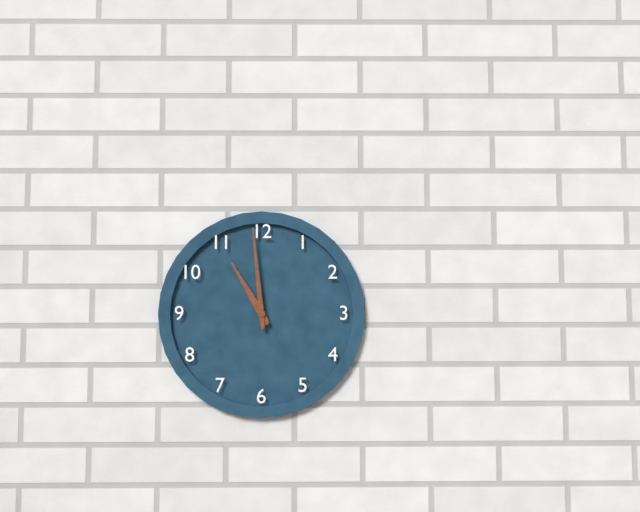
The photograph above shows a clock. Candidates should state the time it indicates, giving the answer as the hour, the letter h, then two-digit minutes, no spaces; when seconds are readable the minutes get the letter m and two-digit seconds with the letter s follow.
10h59
